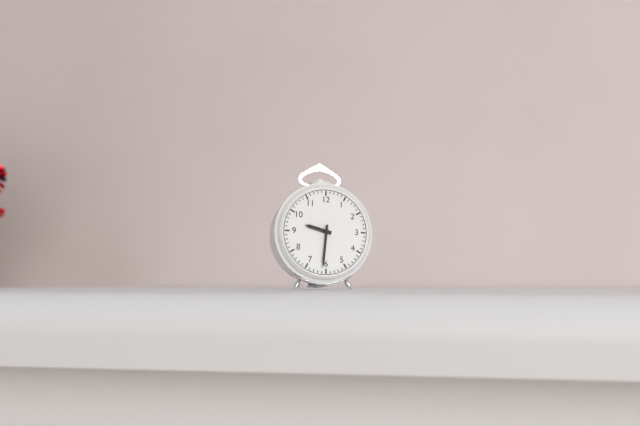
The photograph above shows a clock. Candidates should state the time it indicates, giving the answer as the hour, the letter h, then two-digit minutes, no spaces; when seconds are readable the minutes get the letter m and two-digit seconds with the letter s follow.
9h31
